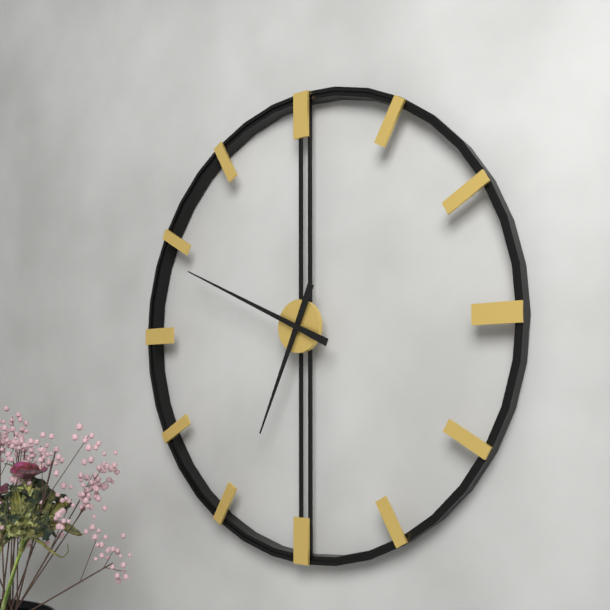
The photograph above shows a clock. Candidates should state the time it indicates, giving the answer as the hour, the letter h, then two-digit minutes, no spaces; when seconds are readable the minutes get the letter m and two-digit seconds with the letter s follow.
6h49
